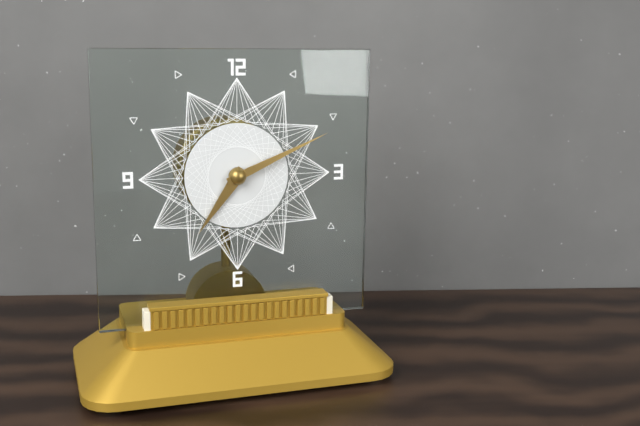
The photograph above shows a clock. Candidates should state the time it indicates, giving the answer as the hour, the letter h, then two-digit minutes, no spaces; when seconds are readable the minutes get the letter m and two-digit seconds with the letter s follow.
7h11
